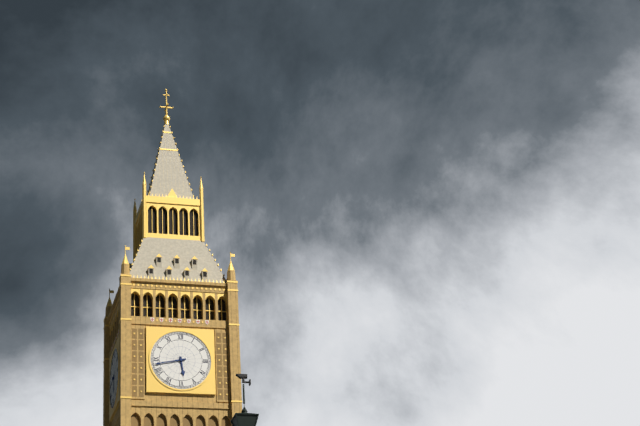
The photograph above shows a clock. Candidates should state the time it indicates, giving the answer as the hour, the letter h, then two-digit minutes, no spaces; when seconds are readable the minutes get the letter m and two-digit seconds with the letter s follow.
5h43
